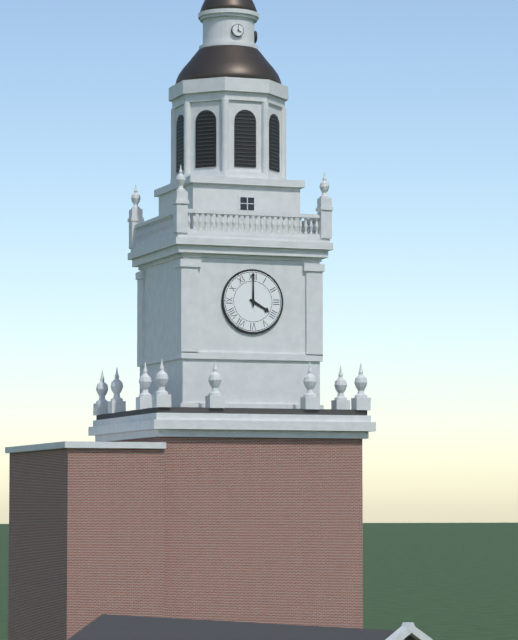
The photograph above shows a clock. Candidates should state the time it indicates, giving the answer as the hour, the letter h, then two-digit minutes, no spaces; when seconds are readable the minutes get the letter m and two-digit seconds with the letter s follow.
4h00
